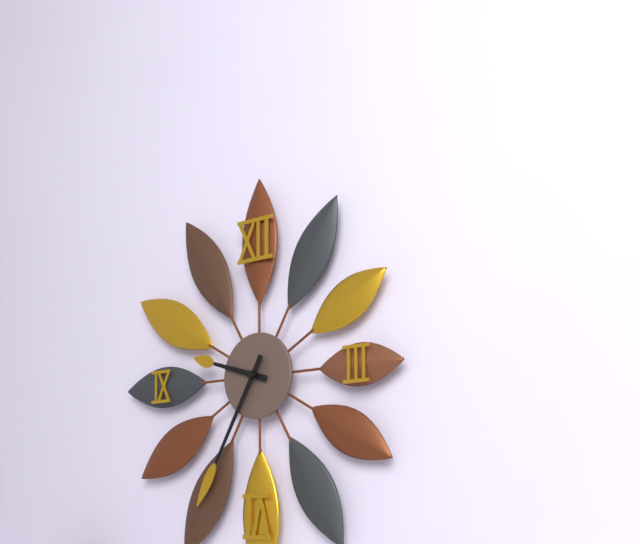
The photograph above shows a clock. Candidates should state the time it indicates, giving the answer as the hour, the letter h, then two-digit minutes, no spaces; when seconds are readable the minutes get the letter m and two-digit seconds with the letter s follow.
9h35
